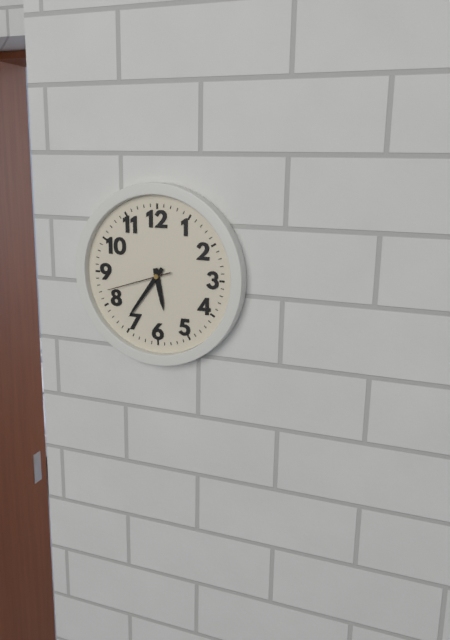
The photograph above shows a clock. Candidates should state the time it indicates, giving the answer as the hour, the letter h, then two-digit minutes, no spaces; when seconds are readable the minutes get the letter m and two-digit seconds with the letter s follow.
5h36m42s
